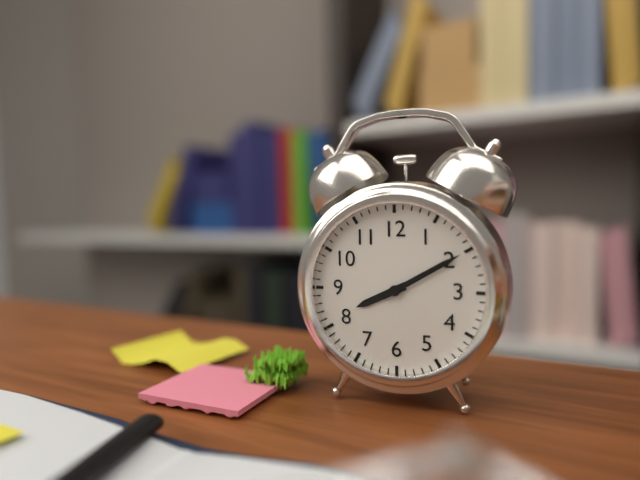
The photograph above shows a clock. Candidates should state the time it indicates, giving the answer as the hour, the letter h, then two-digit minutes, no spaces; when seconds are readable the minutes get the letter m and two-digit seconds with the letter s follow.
8h10
